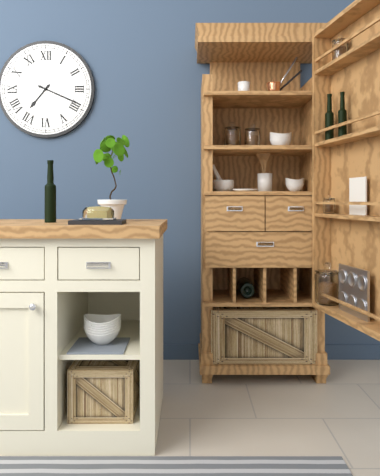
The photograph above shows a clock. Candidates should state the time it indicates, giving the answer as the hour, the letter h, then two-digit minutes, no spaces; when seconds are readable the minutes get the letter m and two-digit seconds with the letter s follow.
7h19
